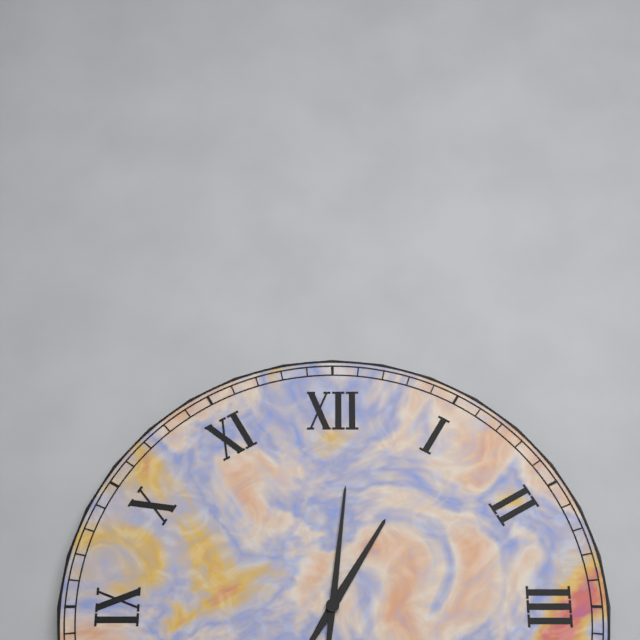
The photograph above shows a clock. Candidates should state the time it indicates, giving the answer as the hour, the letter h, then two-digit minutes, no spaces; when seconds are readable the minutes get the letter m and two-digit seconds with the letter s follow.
1h01
